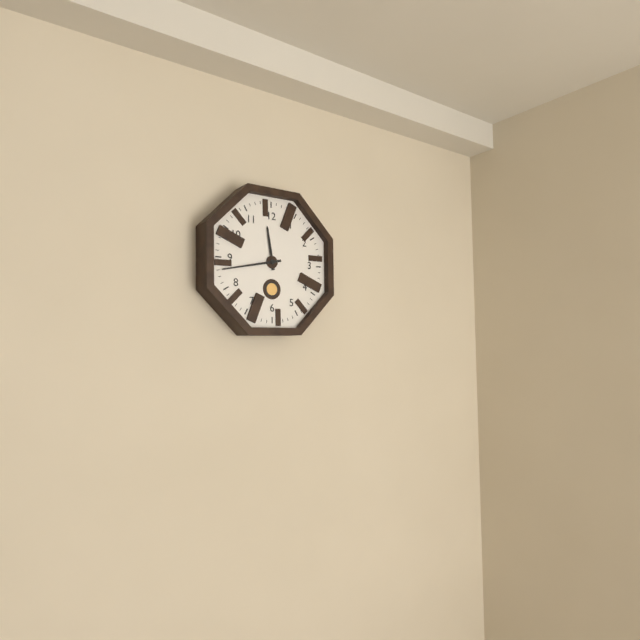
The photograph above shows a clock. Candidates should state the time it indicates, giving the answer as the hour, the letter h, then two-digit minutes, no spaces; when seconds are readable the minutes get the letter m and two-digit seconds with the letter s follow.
11h43
